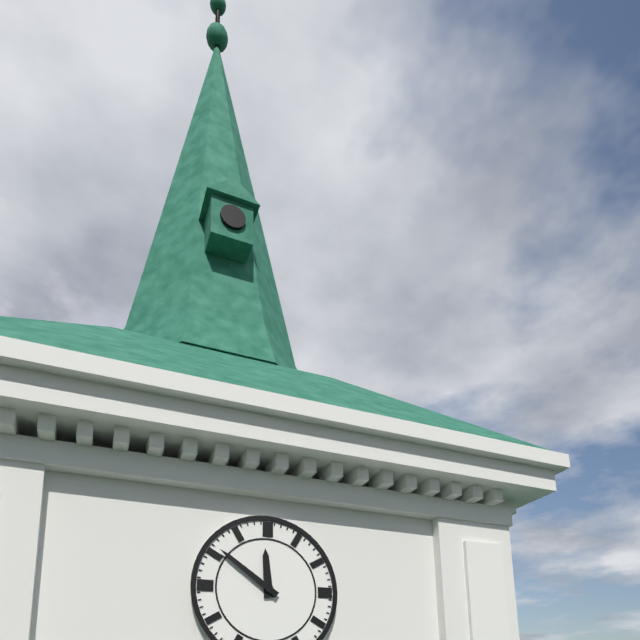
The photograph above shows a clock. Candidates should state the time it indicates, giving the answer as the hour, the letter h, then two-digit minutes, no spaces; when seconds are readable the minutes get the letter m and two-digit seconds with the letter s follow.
11h51
